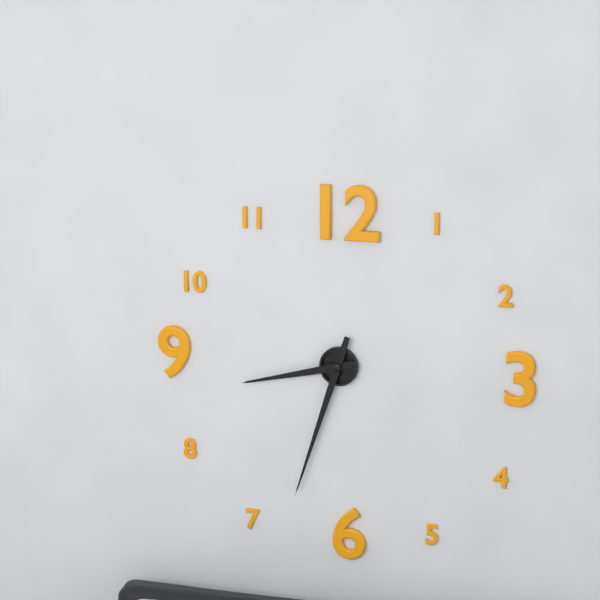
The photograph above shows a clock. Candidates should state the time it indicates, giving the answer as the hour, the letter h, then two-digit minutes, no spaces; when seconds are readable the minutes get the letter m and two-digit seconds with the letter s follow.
8h33
